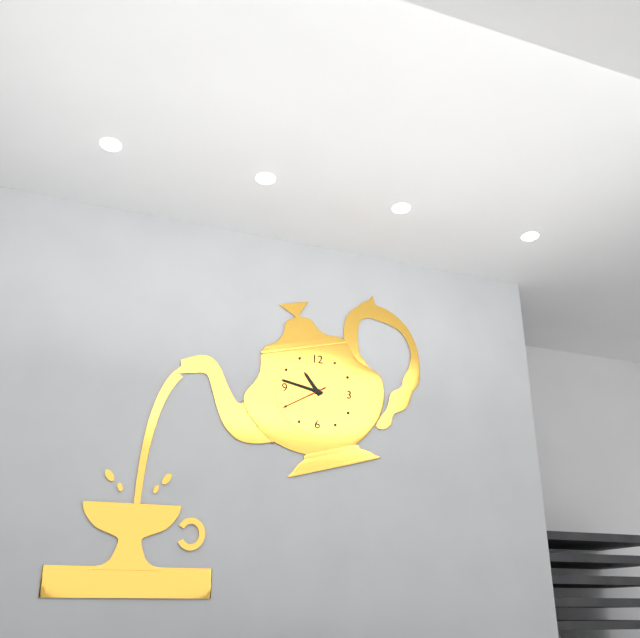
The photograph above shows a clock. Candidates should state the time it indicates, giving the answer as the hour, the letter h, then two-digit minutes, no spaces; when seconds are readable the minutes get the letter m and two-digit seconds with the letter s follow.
10h47
